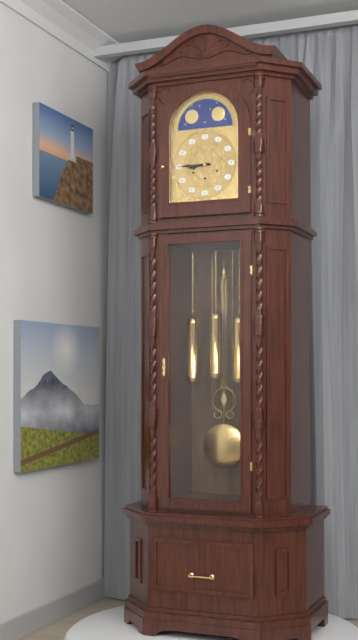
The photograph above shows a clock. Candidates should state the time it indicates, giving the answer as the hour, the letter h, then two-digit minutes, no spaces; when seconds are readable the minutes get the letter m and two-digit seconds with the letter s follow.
8h45
